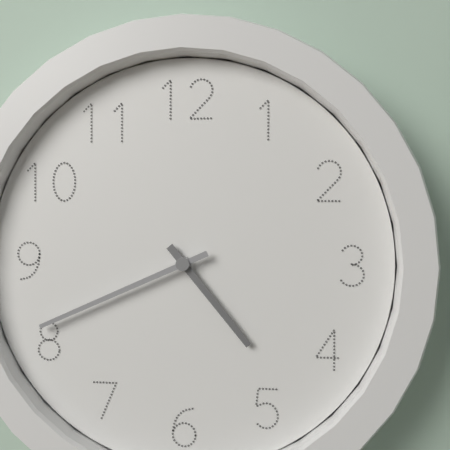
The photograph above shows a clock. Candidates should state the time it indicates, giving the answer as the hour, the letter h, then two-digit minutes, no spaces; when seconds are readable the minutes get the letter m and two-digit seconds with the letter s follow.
4h41
